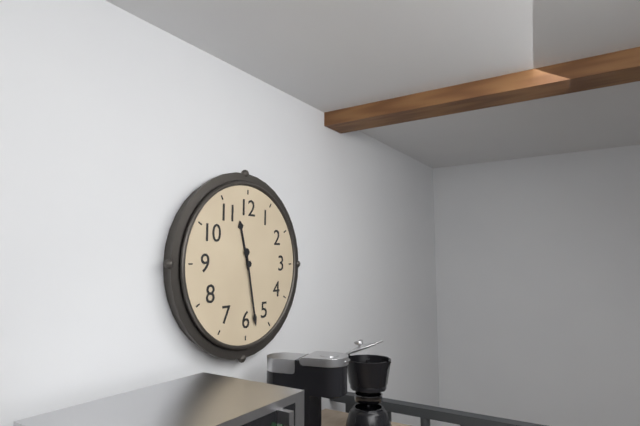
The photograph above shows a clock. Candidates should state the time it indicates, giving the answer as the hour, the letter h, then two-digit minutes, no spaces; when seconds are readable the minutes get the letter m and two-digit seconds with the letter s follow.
11h28
